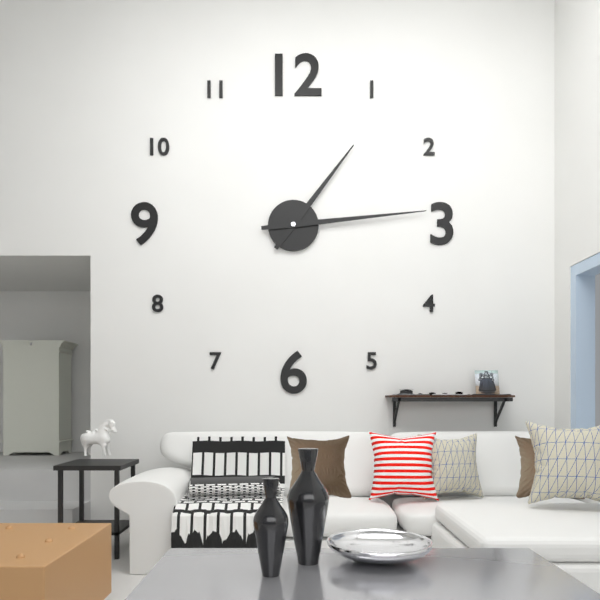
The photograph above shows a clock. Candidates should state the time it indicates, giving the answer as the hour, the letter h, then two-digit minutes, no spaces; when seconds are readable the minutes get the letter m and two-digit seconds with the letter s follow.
1h14
